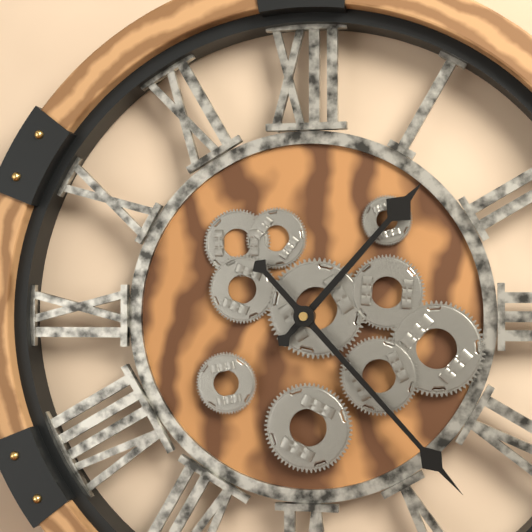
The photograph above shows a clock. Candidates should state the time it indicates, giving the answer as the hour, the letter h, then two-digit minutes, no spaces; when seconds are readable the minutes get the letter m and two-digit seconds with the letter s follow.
1h23
